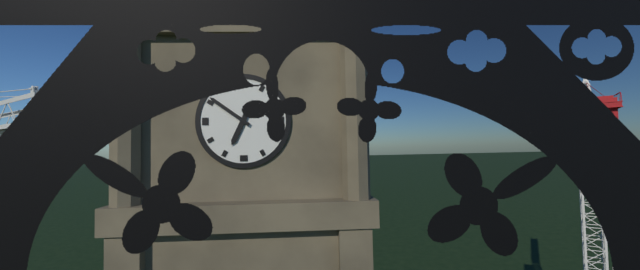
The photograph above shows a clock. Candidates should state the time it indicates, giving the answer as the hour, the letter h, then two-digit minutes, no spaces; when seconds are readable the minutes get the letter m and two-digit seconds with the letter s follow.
6h51
